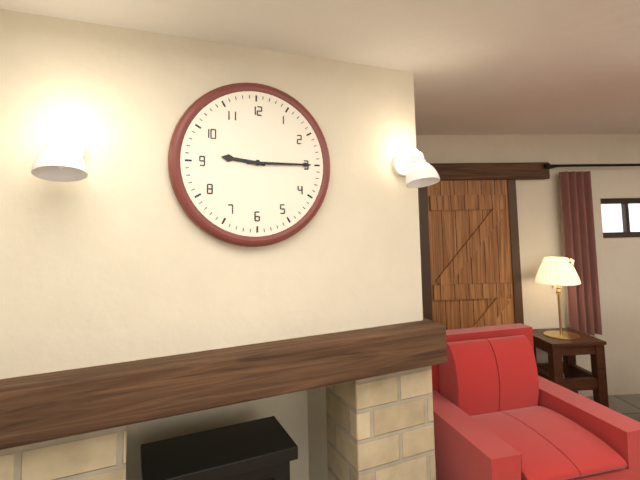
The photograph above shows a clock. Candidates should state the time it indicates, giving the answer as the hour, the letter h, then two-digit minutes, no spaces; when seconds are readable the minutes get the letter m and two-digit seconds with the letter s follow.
9h15
